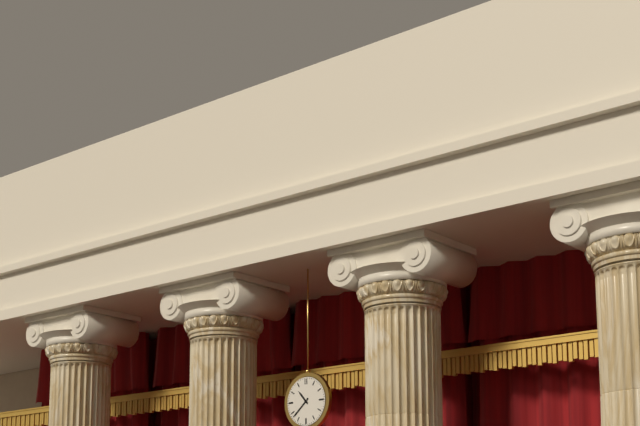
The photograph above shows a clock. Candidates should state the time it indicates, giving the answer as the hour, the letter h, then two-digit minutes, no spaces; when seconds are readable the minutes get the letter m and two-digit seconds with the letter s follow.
10h38
